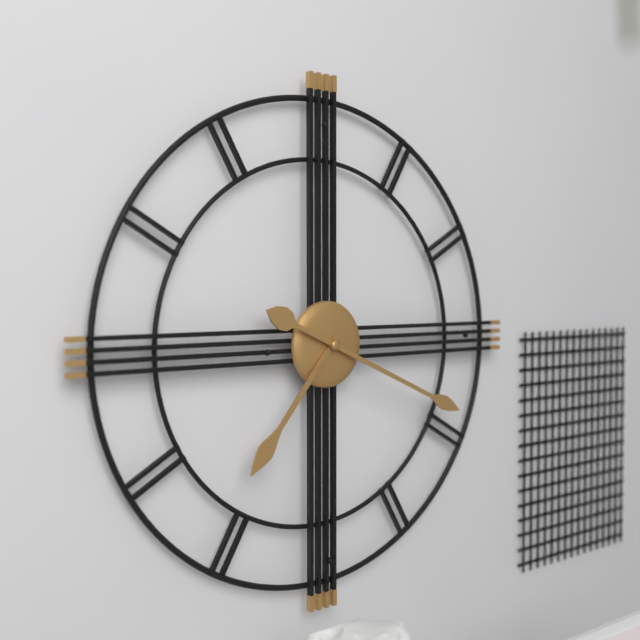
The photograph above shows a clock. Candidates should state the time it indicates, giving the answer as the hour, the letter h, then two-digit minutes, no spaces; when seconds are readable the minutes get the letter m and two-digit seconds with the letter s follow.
7h19
